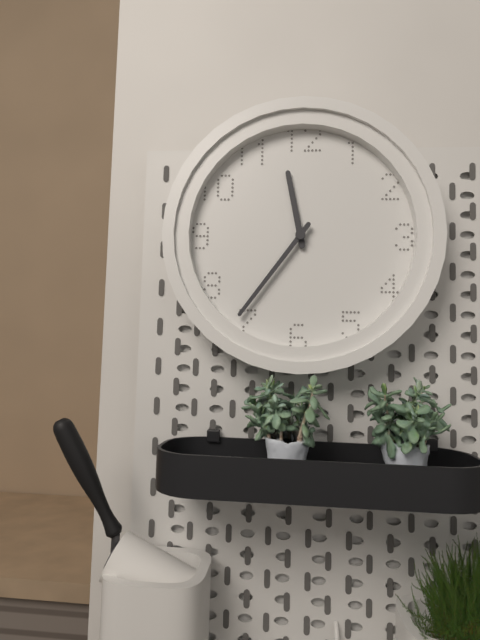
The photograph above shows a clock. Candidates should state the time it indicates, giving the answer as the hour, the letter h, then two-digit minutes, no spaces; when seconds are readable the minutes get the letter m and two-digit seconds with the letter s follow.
11h36
